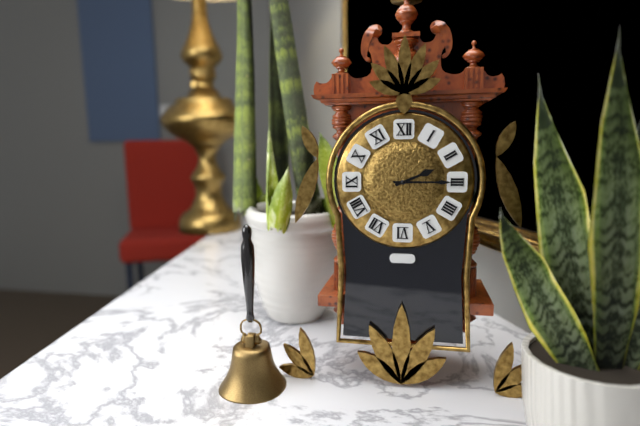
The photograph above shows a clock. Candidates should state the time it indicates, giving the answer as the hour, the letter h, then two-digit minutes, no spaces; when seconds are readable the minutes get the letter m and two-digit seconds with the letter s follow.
2h15
